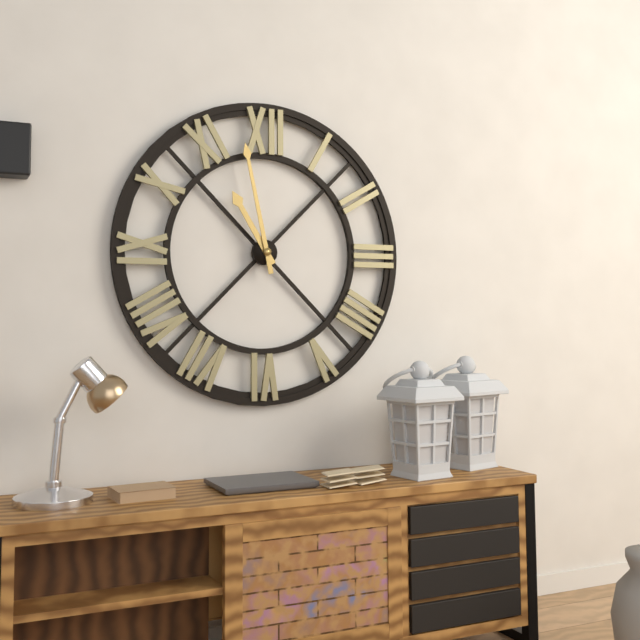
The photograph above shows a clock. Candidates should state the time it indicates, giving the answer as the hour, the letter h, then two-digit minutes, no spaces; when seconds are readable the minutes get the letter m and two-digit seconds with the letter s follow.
10h58
